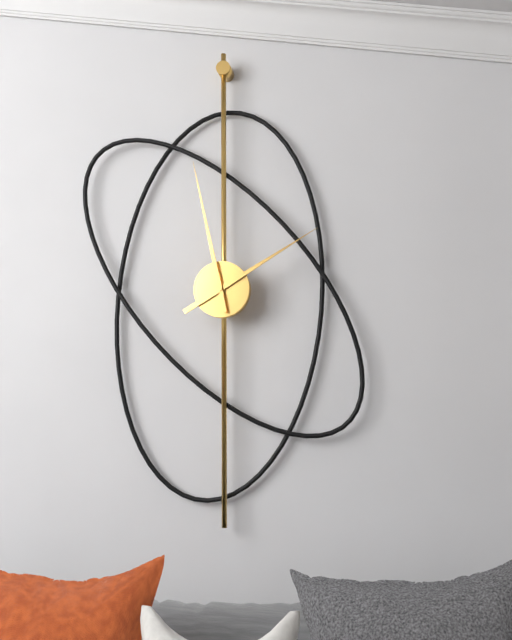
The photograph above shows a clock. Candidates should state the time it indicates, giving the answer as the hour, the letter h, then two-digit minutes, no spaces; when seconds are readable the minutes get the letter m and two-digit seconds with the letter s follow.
1h58
